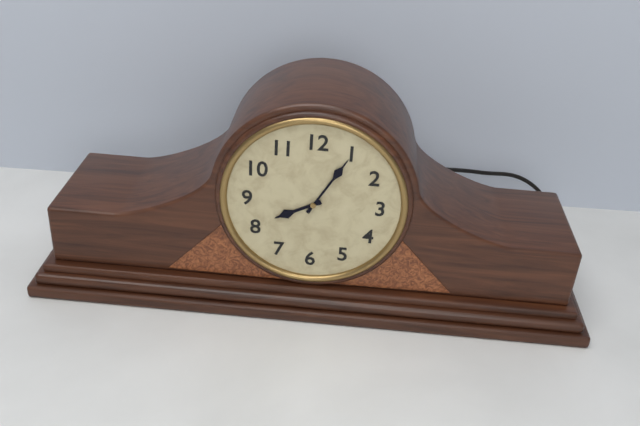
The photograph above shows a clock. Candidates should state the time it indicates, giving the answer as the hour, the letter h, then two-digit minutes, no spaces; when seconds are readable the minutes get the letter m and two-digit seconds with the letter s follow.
8h05
